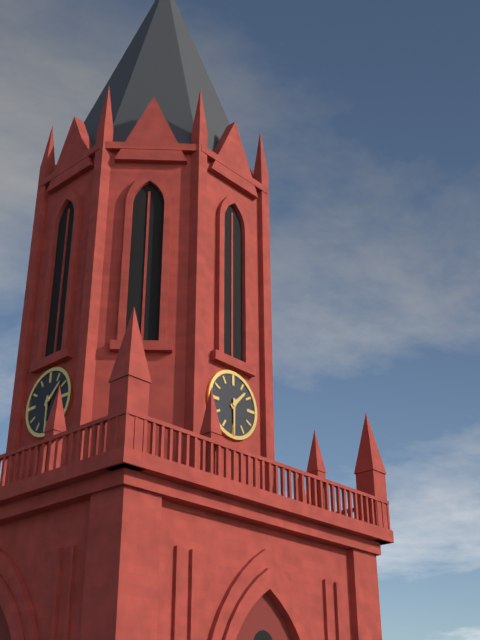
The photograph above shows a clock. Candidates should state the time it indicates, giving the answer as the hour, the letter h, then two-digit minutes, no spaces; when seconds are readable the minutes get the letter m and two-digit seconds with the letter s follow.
1h30
